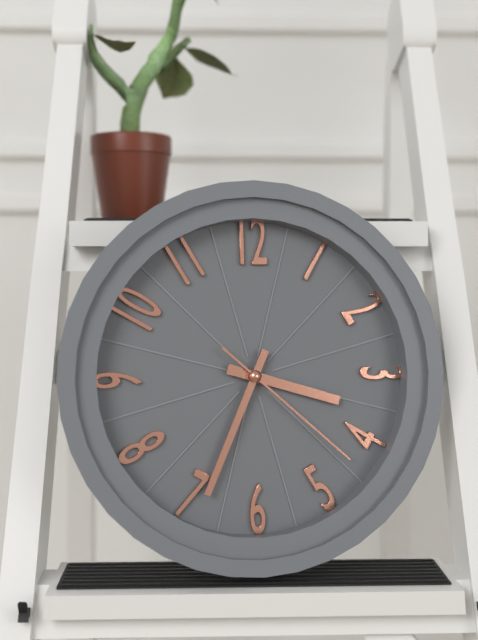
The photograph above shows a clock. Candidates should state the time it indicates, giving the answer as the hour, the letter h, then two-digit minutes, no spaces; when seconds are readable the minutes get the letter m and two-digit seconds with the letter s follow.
3h34m22s
